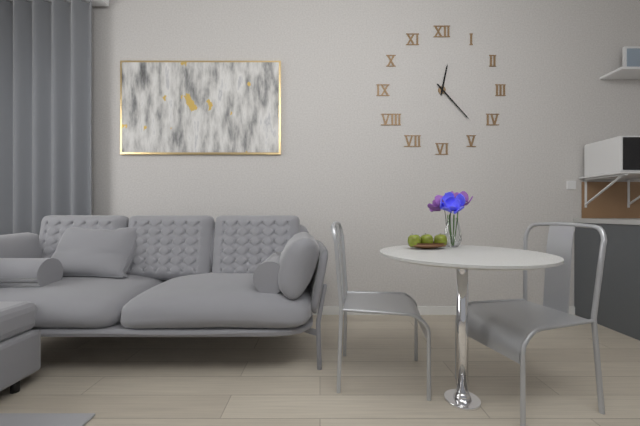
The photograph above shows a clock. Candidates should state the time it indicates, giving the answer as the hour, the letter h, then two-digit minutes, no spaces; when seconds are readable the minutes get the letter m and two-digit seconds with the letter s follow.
12h23
